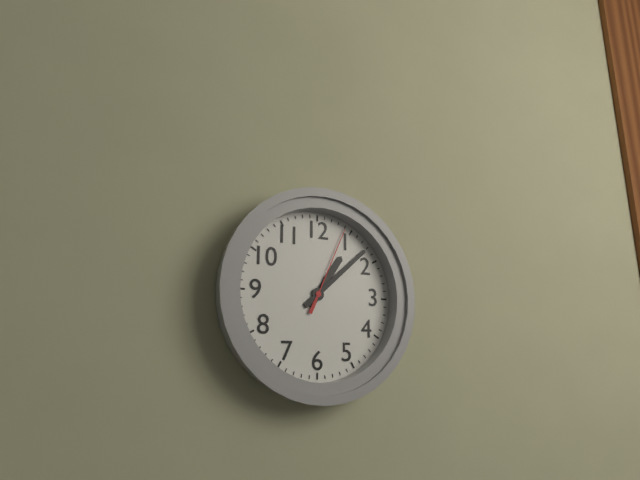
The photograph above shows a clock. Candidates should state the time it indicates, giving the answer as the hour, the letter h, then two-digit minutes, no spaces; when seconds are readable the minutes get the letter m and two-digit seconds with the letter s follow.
1h08m04s
